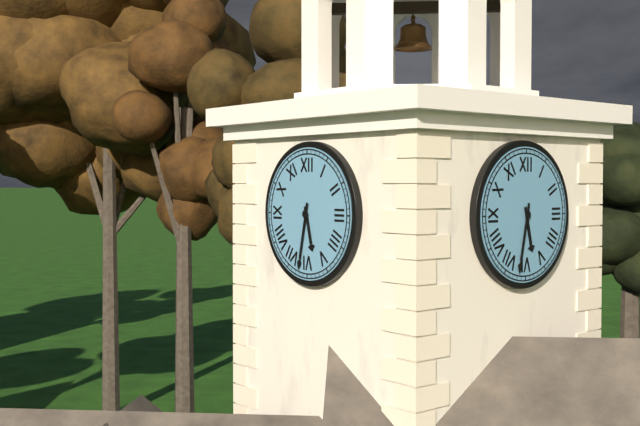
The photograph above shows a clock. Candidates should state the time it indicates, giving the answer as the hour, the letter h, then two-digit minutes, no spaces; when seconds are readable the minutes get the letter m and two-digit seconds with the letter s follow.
5h32
